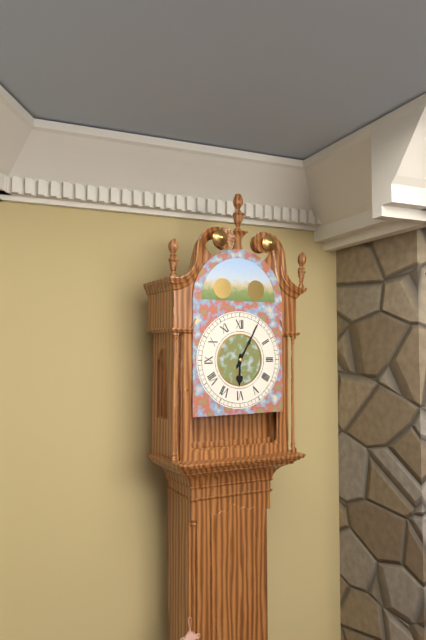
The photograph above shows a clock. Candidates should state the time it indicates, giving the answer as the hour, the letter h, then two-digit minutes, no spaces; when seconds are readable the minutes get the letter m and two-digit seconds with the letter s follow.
6h05
